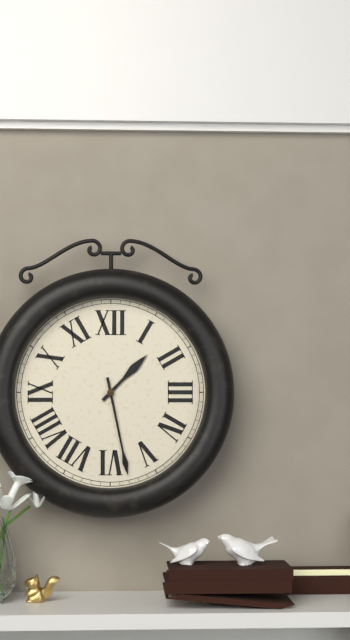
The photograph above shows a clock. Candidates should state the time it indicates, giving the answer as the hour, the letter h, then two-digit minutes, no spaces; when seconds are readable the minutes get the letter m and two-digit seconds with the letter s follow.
1h28
